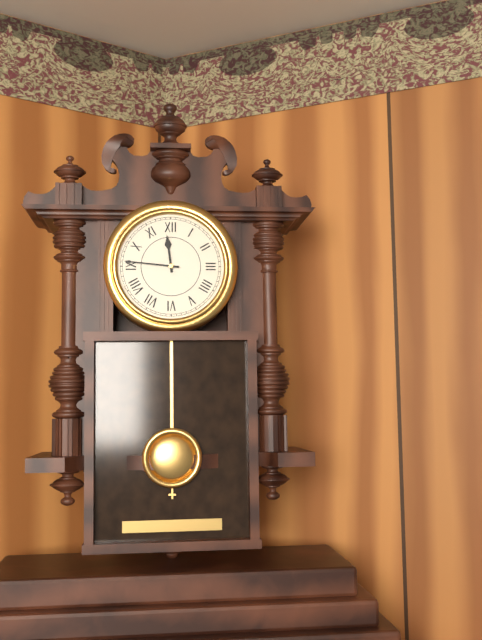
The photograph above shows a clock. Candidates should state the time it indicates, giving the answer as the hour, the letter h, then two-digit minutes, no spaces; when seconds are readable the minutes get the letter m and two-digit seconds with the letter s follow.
11h46
